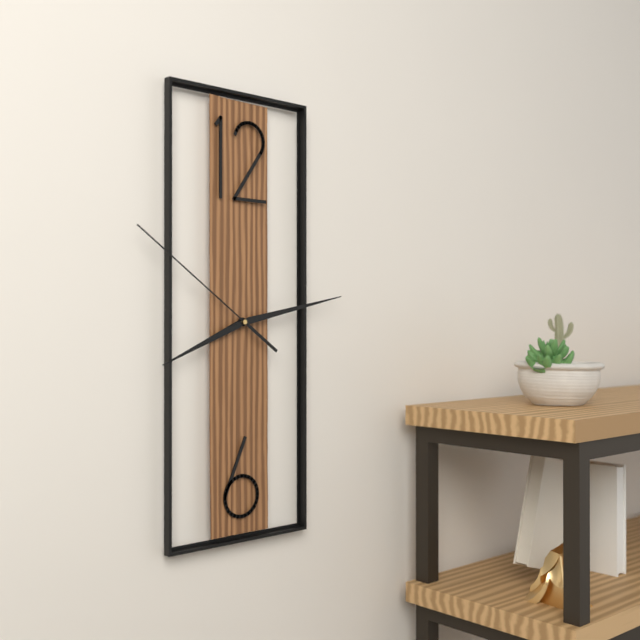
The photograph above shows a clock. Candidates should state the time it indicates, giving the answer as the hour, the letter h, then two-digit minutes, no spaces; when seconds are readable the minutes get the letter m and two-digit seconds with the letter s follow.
8h13m51s
